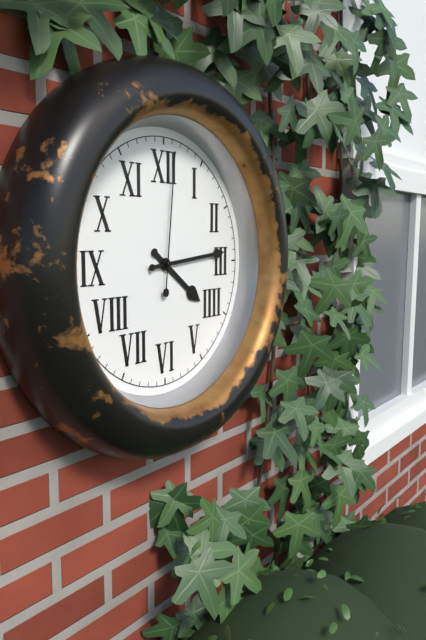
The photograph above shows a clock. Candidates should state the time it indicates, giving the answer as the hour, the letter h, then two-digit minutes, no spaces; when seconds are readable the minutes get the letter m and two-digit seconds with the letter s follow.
4h14m01s
